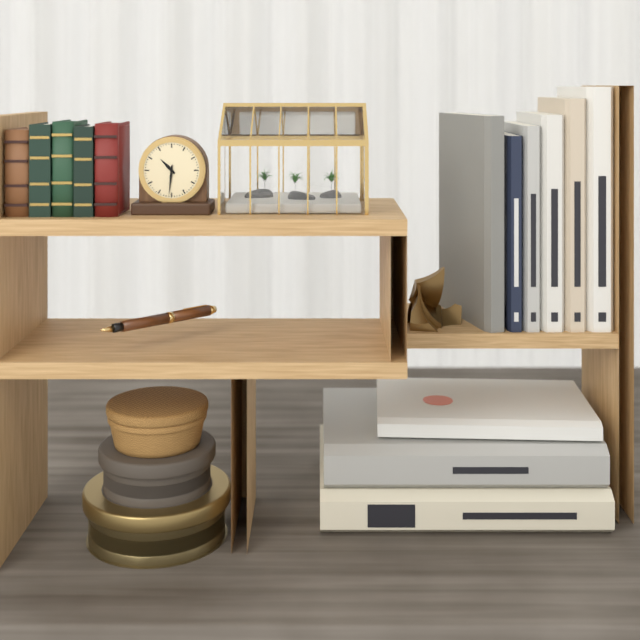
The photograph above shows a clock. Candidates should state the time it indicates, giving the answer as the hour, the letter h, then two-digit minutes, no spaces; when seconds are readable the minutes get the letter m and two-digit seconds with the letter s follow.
10h31
